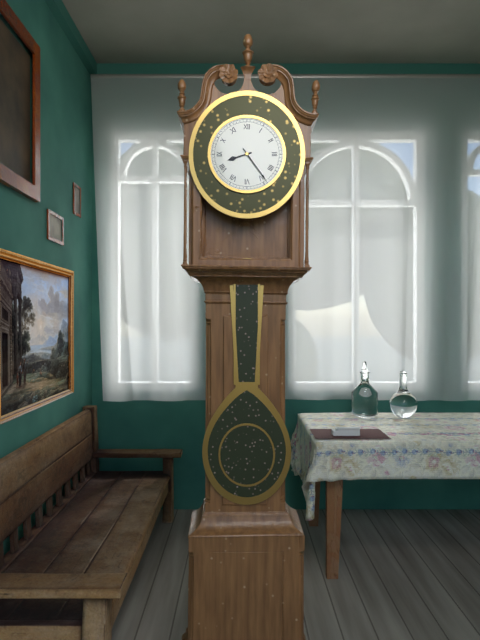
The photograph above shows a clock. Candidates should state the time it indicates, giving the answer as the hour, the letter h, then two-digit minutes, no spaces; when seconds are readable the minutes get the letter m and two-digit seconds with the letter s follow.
8h24
